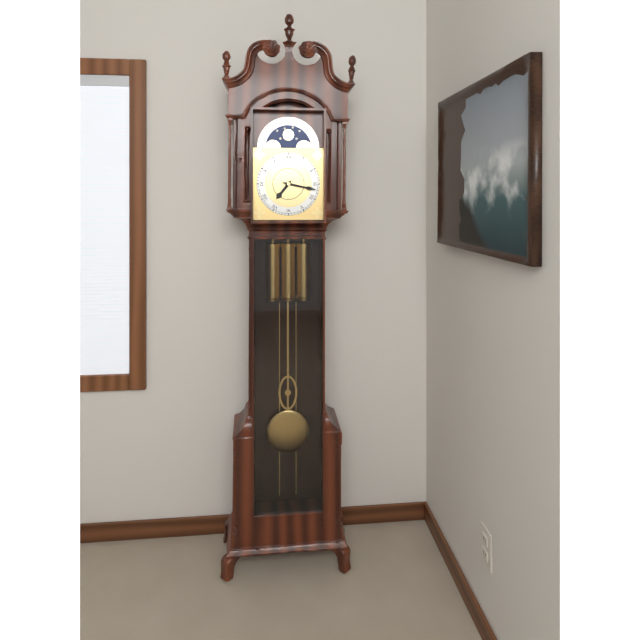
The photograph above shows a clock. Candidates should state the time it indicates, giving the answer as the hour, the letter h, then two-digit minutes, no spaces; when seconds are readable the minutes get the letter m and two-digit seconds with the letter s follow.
7h17
